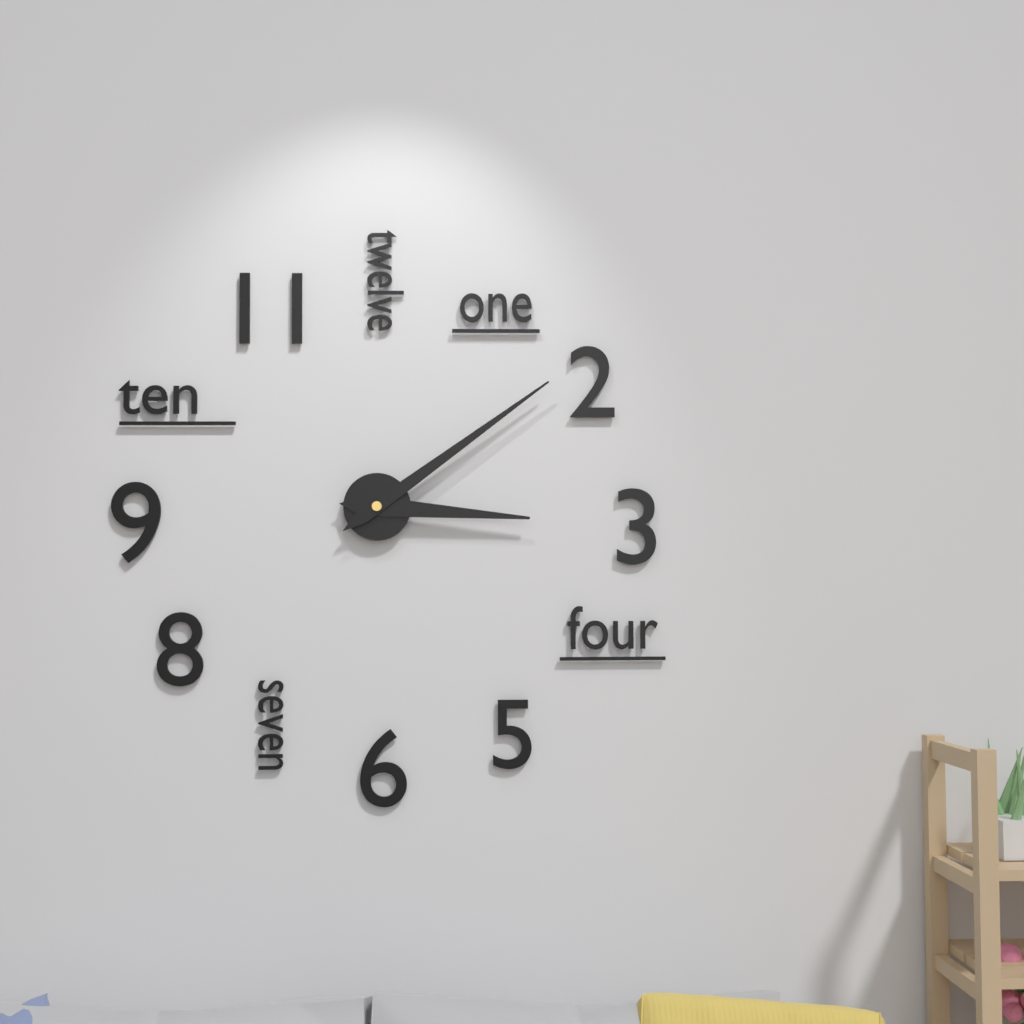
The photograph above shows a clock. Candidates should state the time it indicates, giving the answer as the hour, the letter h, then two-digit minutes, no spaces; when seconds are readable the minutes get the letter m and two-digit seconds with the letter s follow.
3h09
